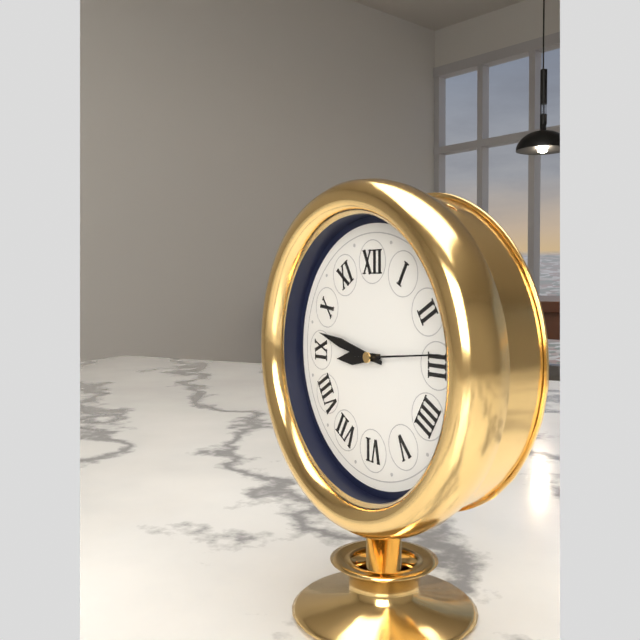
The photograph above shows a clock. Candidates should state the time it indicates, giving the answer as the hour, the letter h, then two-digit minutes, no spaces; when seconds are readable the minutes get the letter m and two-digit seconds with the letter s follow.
8h47m14s
